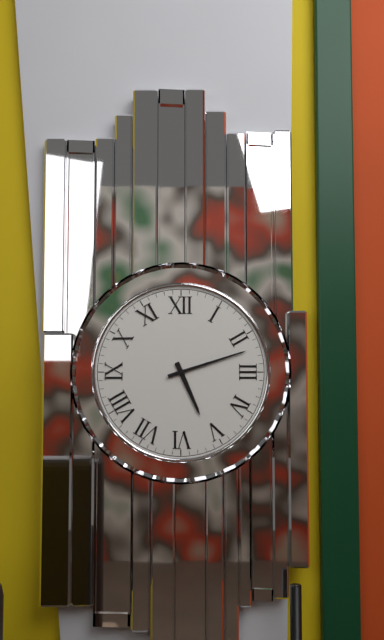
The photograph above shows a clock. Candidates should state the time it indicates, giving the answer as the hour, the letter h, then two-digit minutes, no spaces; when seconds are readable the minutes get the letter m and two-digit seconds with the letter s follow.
5h12
